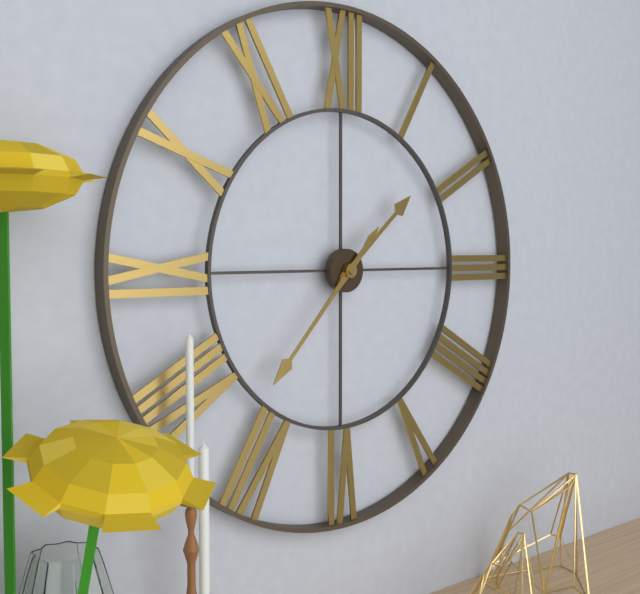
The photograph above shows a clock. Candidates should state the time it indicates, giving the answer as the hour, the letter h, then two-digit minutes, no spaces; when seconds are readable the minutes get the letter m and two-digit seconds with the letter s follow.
1h37
